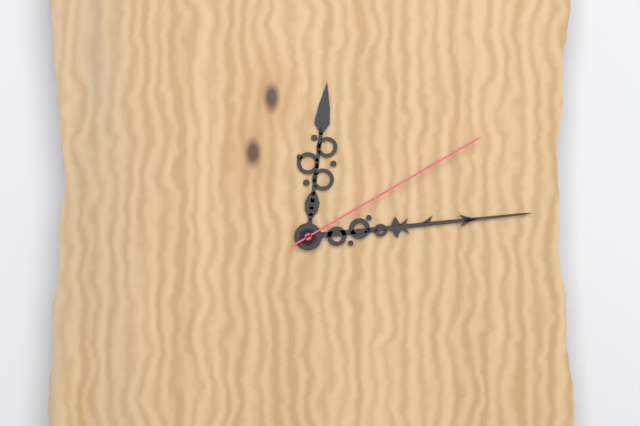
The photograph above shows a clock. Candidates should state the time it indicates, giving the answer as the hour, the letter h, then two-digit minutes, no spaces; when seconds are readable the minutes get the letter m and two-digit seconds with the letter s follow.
12h14m10s
